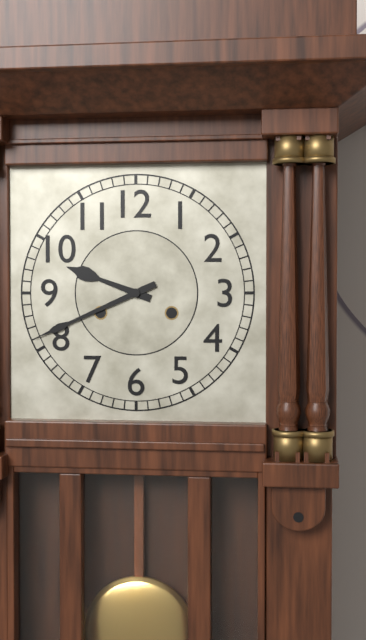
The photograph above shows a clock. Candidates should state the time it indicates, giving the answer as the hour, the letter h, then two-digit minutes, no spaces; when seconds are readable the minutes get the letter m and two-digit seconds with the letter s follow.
9h41
